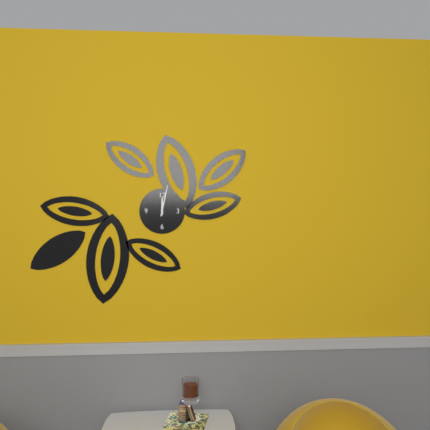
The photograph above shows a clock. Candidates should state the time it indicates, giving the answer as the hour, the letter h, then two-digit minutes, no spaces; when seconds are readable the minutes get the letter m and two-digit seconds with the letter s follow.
12h02
